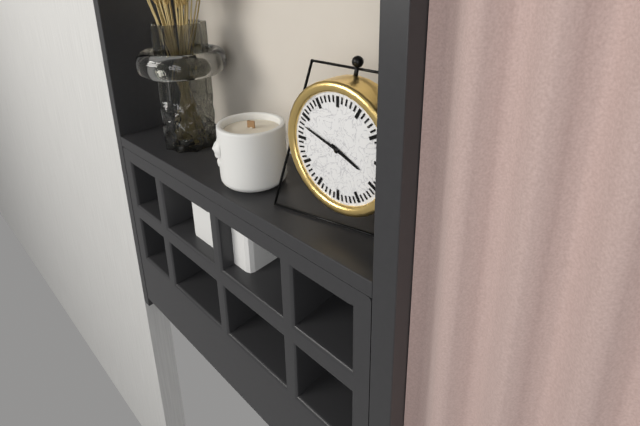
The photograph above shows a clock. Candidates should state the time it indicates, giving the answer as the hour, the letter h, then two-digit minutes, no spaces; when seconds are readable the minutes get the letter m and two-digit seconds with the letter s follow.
3h48
